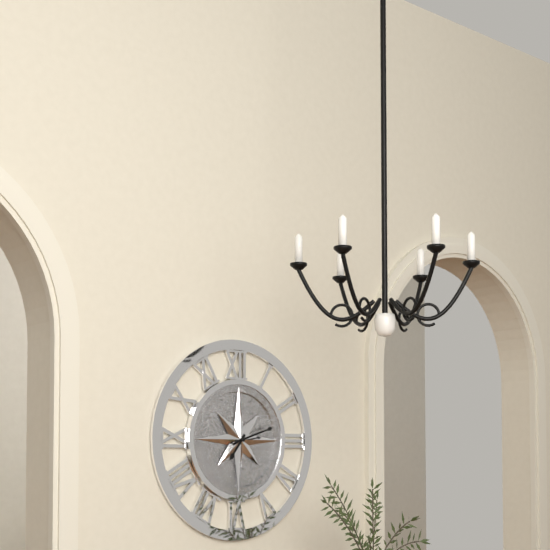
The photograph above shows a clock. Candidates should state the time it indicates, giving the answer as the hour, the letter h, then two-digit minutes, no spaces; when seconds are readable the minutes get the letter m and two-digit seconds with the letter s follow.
7h12
